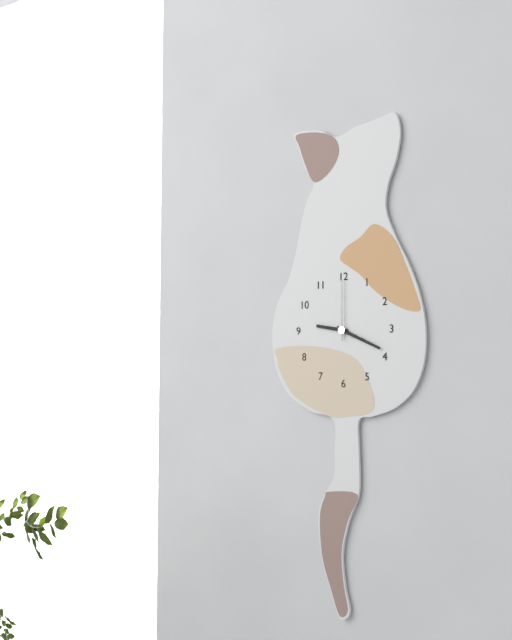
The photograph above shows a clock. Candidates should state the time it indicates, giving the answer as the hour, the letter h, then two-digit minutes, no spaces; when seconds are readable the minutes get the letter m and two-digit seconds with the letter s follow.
9h19m00s
